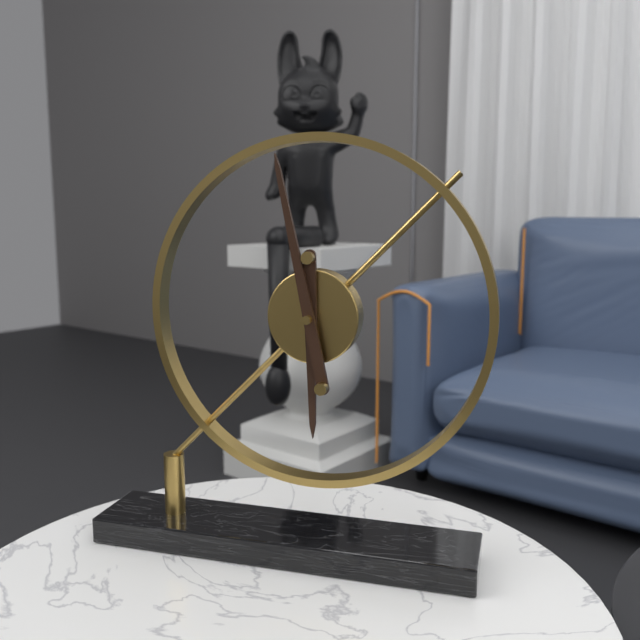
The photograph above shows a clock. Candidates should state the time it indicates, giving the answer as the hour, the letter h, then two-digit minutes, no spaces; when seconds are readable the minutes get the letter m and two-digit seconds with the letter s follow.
5h58
